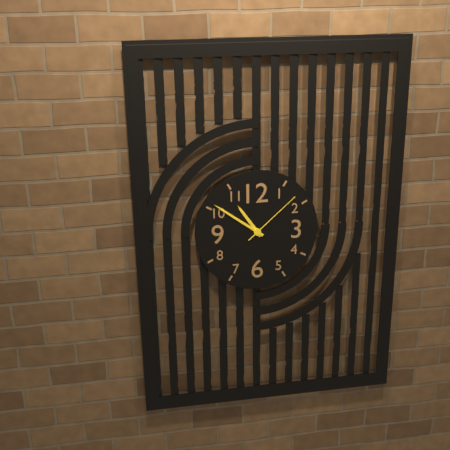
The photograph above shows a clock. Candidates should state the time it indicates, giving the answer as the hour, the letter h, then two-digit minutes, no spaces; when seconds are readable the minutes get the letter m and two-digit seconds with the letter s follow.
10h51m08s
